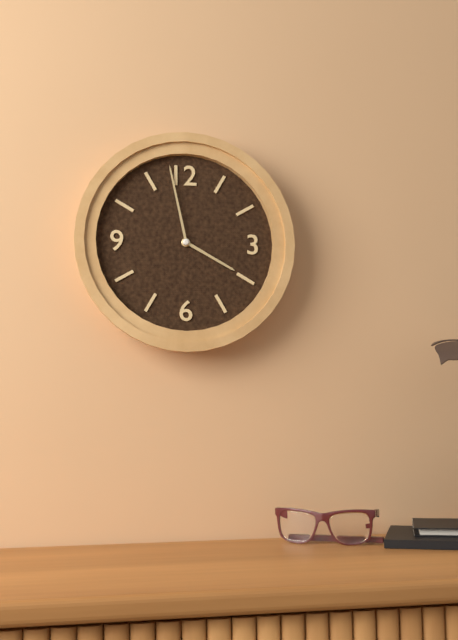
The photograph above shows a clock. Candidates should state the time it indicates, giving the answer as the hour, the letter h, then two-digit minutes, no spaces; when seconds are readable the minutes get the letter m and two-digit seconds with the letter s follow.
3h58
